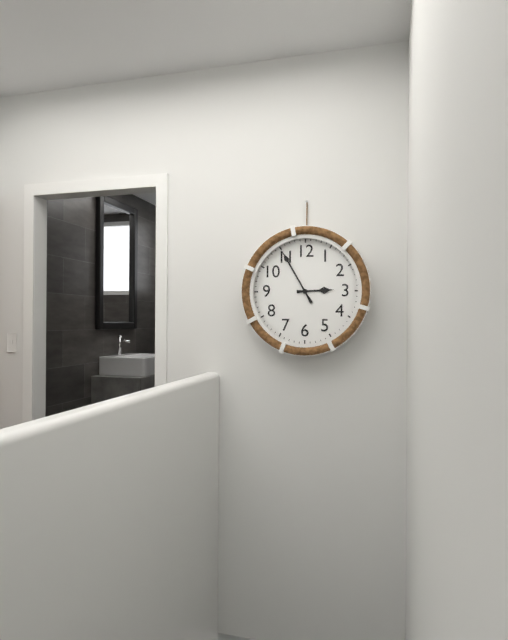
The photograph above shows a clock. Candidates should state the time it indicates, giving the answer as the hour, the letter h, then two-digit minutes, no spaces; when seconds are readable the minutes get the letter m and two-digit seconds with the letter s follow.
2h55
